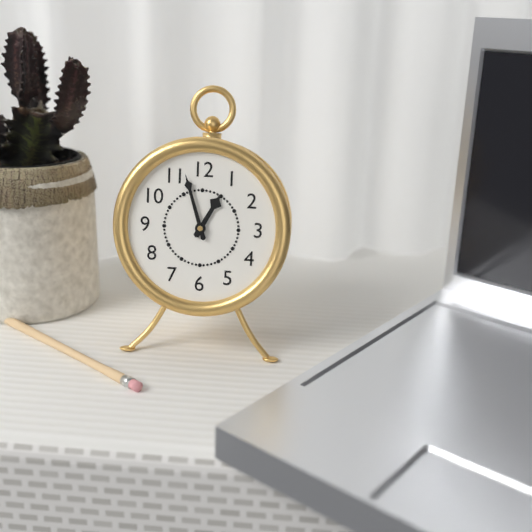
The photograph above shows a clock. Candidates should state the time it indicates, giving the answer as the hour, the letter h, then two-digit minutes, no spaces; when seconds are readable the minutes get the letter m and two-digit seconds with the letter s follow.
12h57
